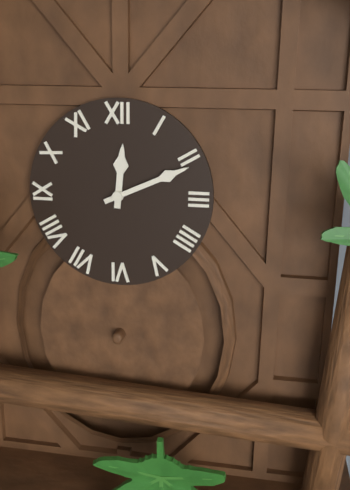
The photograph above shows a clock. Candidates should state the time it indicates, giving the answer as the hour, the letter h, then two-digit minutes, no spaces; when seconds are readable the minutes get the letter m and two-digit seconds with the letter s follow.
12h11
